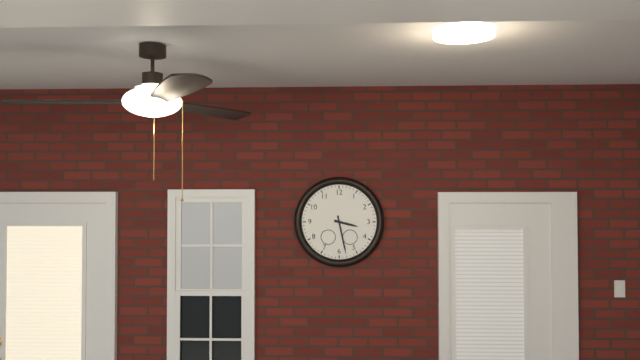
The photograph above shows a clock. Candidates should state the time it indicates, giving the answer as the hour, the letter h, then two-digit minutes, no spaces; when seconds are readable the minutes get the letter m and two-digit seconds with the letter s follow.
3h28
